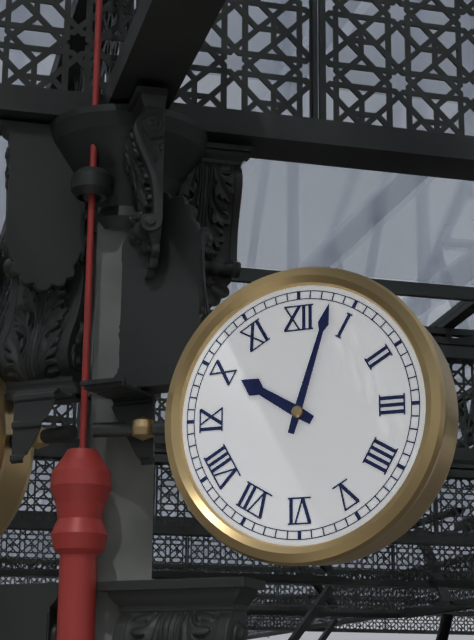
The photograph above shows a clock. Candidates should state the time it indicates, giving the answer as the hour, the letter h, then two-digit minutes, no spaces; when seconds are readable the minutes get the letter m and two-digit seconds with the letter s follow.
10h03
